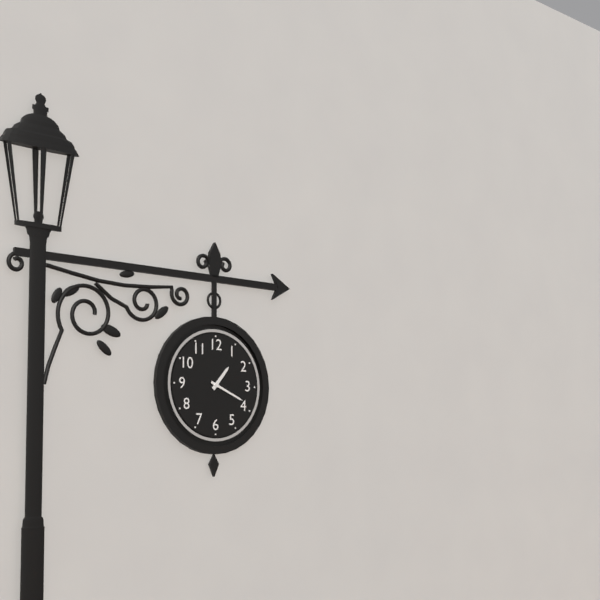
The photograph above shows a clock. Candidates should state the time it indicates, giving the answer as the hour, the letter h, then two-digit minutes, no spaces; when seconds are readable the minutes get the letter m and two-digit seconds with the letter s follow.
1h19
